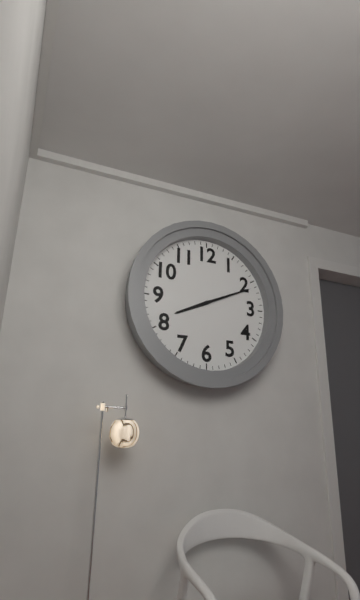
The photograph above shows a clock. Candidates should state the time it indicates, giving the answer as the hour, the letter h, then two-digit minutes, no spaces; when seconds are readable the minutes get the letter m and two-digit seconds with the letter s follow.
8h11
